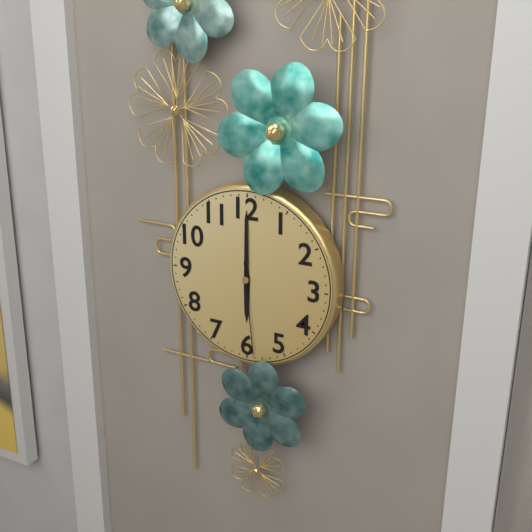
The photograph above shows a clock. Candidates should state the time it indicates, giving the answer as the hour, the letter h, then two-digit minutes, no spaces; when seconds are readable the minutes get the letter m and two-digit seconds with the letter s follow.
6h00m29s
